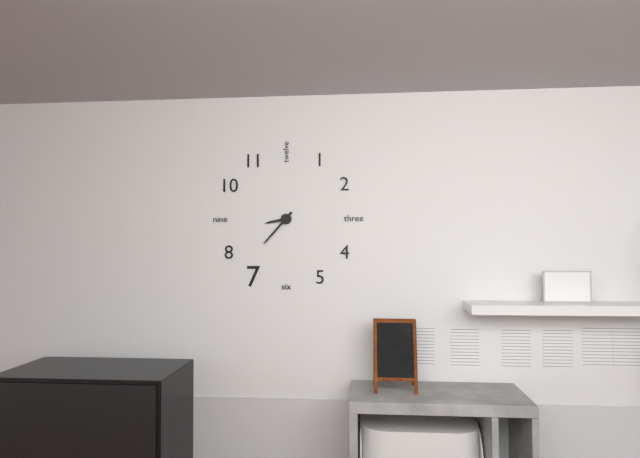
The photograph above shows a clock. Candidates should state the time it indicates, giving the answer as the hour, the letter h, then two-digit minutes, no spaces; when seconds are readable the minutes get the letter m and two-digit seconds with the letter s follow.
8h37
